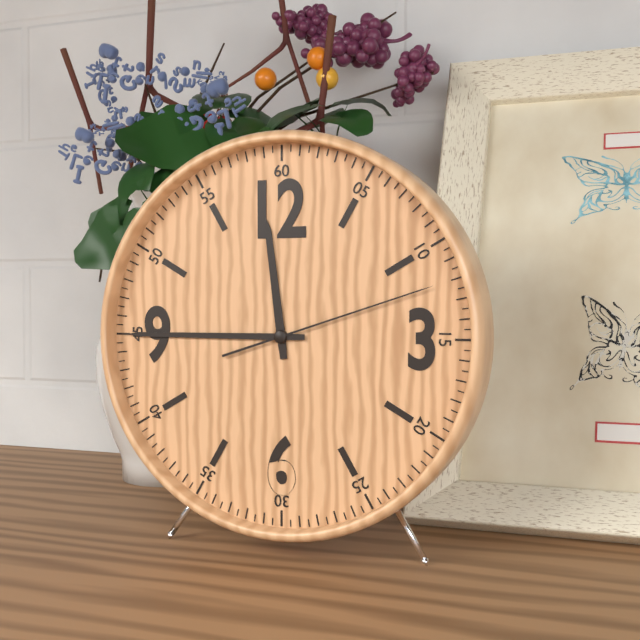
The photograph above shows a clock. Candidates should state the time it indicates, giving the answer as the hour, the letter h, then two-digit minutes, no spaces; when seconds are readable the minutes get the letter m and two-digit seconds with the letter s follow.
11h45m12s
